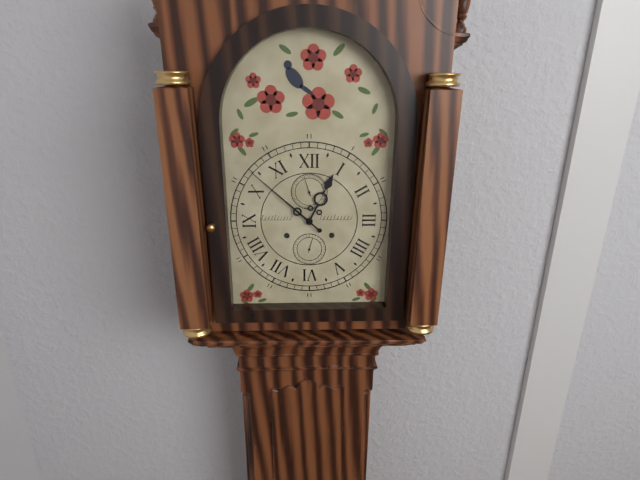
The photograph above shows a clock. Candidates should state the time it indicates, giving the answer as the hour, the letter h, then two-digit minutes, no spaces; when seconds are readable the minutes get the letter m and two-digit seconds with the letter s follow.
12h52
